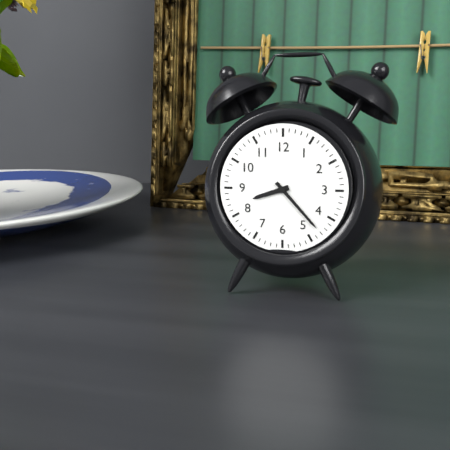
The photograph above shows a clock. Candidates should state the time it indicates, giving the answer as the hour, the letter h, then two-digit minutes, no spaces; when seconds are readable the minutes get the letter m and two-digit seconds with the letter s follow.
8h23
